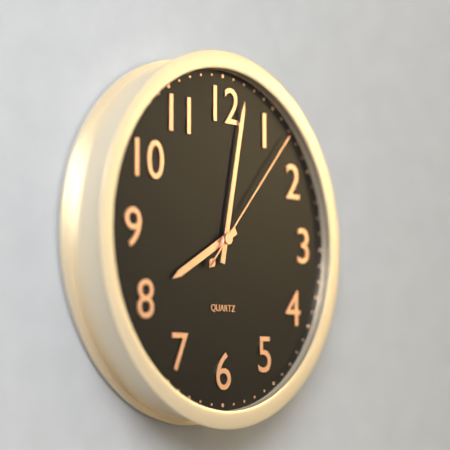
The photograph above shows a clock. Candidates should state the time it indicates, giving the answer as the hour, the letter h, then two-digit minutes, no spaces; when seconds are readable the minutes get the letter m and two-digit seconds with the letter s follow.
8h02m07s
